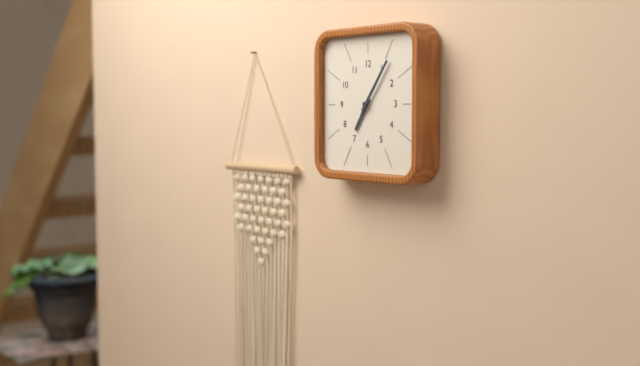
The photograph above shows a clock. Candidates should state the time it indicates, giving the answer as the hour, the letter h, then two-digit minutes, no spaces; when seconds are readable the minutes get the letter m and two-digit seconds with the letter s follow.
7h06
